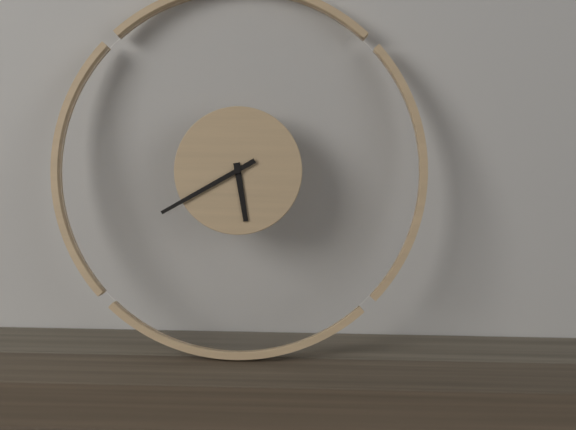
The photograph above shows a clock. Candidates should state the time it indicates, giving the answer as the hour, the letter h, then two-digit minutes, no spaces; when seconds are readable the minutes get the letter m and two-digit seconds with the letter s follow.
5h40
